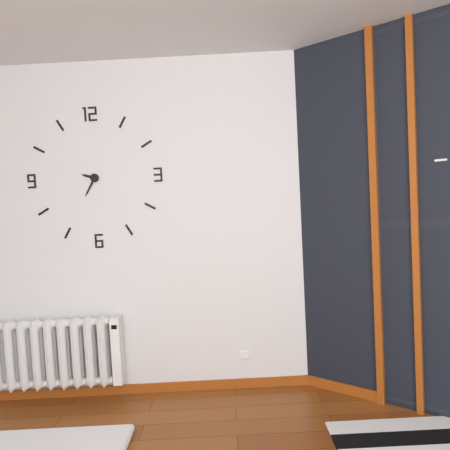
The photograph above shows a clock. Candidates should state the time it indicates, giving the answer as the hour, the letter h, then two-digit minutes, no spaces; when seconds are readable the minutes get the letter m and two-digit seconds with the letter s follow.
9h35
